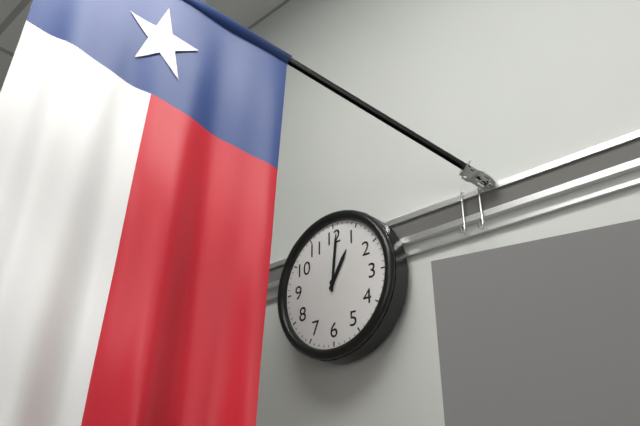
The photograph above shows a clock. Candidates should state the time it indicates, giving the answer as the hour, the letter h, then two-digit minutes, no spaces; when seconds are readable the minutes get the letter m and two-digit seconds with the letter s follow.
1h01
